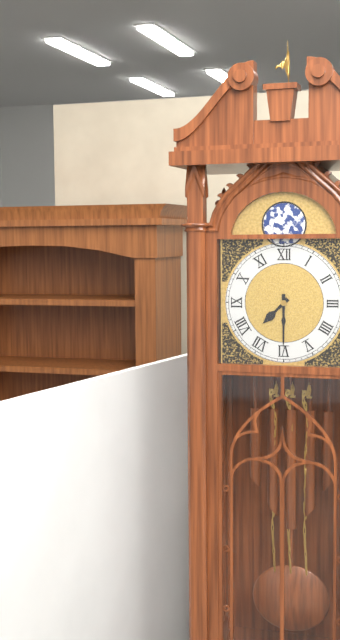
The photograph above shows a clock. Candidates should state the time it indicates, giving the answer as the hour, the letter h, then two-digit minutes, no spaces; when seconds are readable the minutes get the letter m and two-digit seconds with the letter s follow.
7h30
